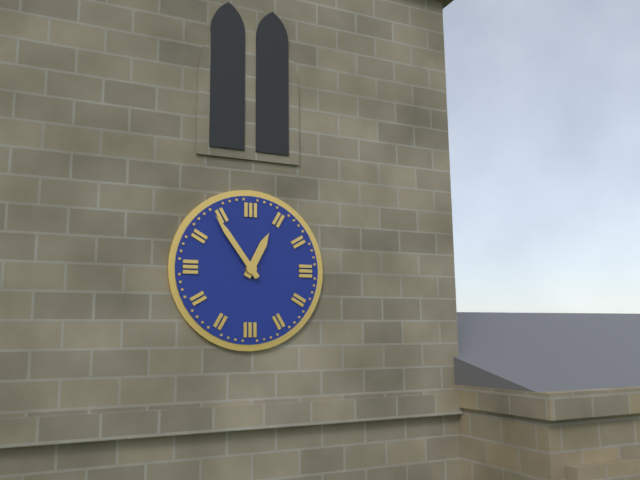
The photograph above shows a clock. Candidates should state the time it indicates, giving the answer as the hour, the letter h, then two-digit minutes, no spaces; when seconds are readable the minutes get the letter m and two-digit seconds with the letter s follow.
12h54
